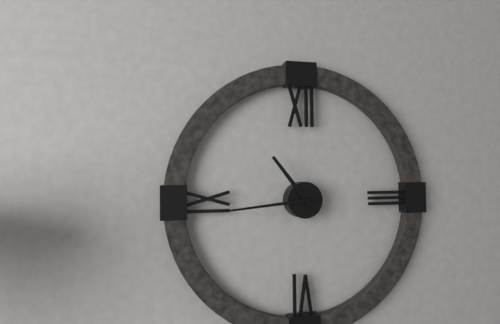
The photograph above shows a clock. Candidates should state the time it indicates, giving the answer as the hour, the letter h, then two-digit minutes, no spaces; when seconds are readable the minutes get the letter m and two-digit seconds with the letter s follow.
10h44
